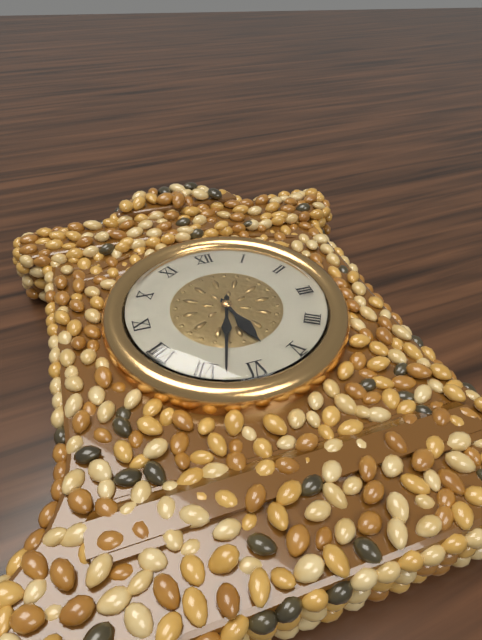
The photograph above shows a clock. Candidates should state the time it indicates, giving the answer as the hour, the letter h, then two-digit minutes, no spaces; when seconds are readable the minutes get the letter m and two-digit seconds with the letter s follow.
5h33
